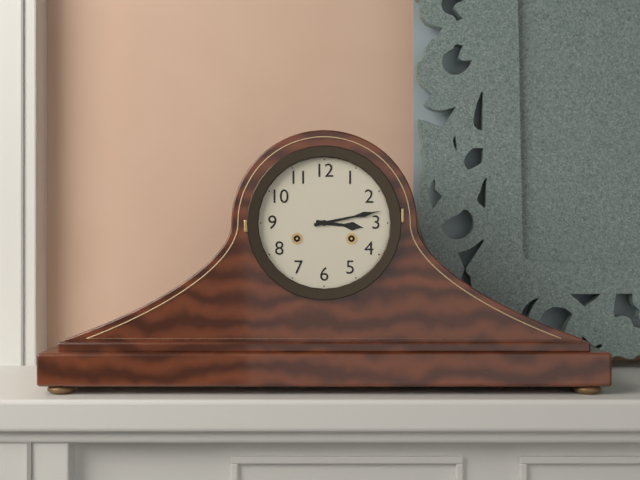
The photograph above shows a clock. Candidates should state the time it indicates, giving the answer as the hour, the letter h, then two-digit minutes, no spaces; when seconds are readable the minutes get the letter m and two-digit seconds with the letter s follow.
3h13
